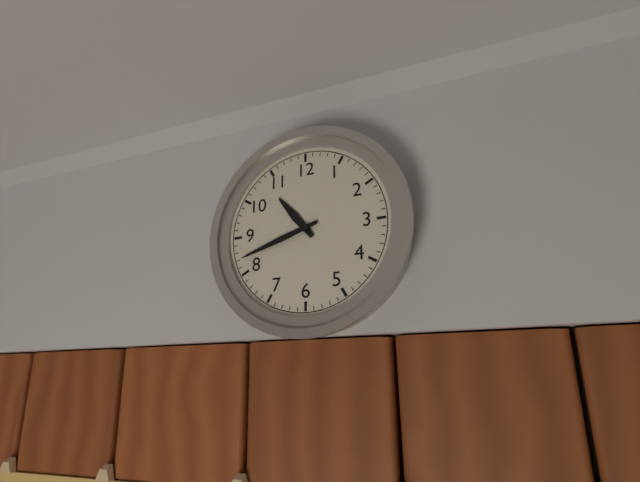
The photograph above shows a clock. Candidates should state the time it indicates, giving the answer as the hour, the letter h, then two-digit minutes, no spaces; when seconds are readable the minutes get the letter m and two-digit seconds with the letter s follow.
10h42
